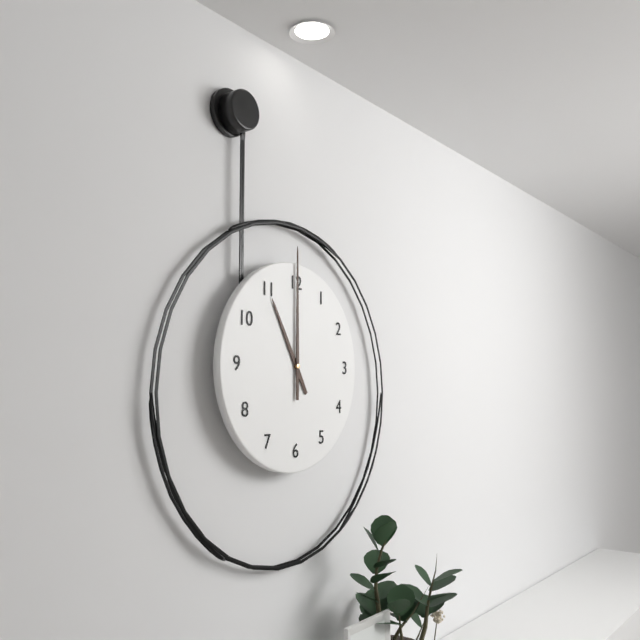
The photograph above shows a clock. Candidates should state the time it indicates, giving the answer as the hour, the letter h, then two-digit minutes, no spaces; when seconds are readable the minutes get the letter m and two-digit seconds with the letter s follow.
11h00
